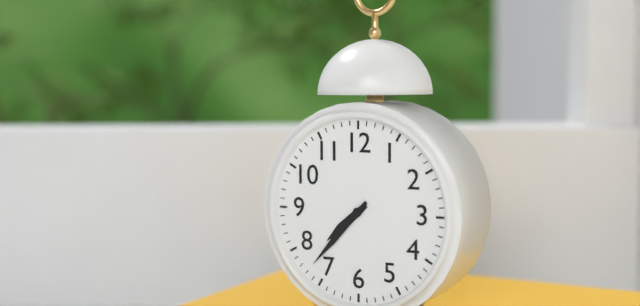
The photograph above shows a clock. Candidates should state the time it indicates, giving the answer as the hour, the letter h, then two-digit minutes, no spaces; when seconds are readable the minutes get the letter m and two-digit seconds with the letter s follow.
7h37
